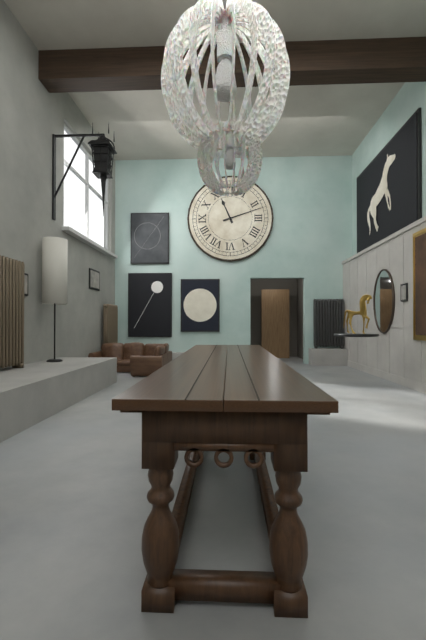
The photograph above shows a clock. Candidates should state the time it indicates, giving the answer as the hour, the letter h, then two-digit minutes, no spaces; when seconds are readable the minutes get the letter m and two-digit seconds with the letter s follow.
11h12
